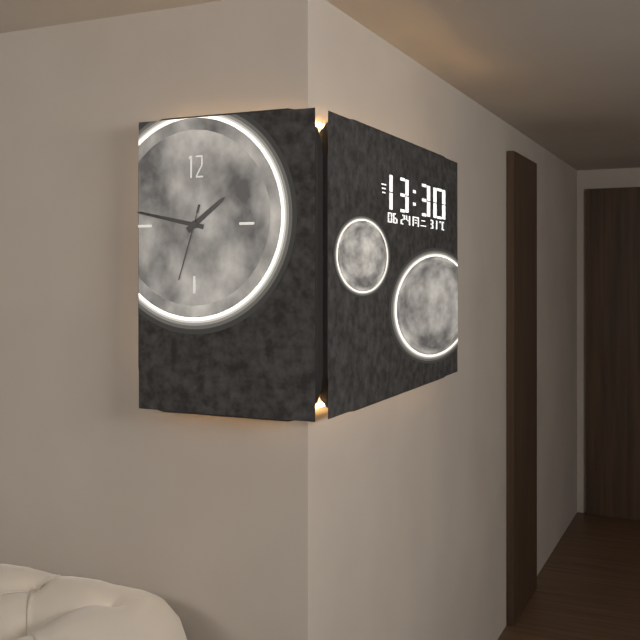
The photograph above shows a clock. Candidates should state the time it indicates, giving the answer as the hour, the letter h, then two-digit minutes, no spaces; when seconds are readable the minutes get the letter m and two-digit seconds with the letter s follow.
1h47m33s
